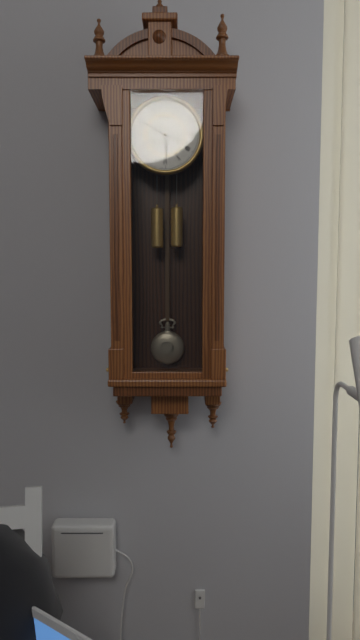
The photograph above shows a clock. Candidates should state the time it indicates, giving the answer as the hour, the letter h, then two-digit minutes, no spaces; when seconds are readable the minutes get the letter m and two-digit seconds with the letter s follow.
5h50
